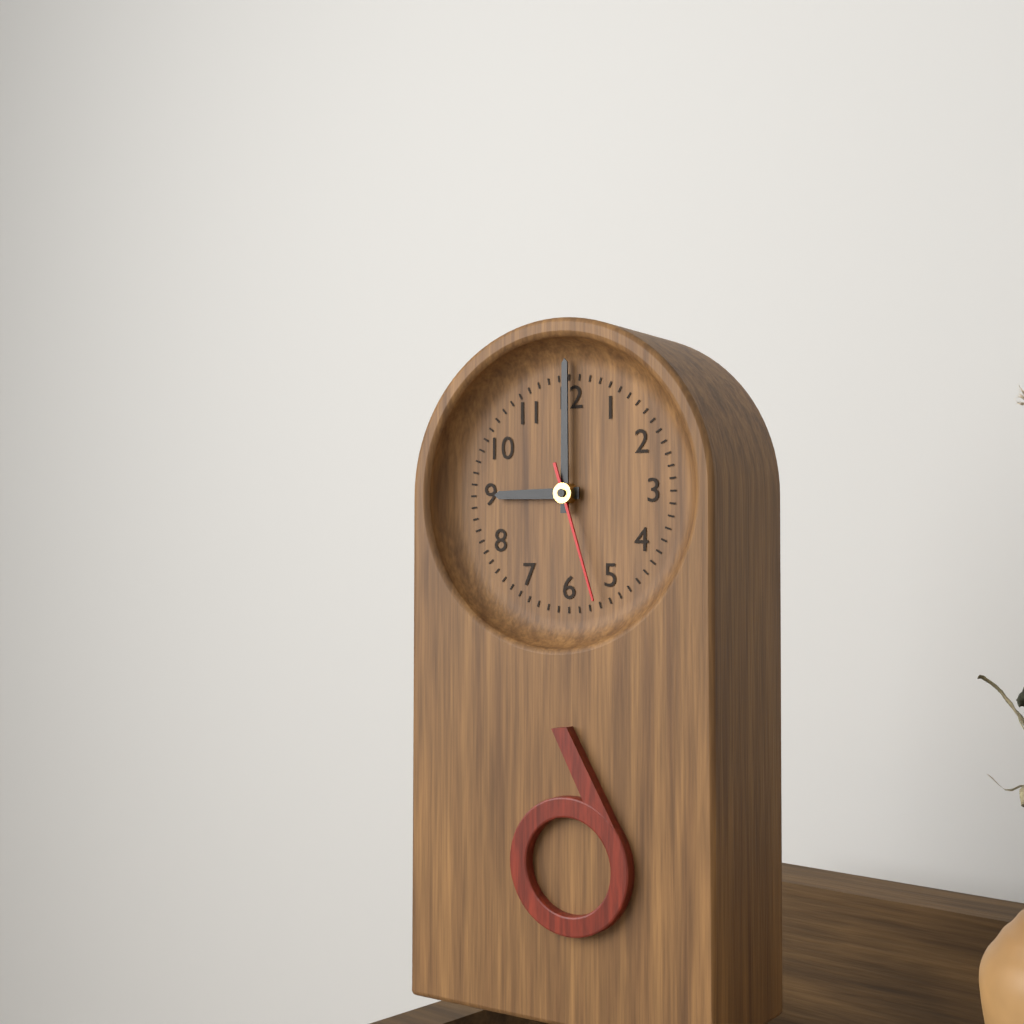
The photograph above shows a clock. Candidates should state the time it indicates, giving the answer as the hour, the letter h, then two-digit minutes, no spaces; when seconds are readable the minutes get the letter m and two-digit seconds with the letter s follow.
9h00m27s
